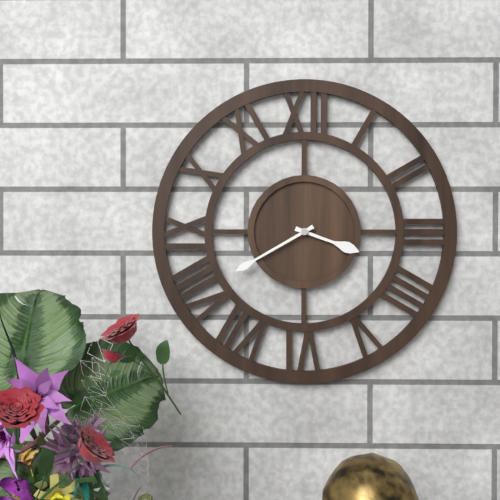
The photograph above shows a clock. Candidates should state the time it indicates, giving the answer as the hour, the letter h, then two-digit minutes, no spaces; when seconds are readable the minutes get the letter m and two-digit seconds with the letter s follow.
3h40
